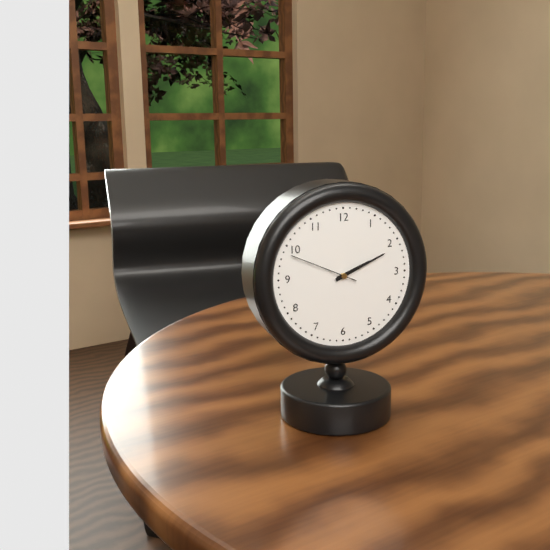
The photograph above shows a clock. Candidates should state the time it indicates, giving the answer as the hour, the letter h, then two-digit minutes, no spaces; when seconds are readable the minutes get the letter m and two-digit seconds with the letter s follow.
2h11m49s
